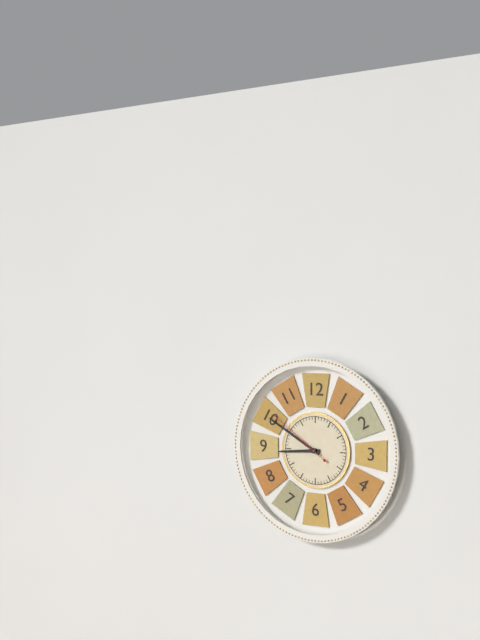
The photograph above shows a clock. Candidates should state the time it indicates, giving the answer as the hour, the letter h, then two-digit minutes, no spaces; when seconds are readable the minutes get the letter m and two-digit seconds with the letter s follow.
8h50m51s
